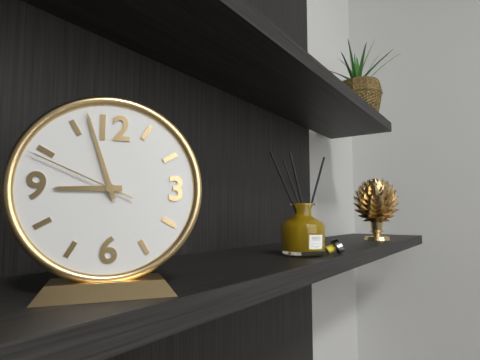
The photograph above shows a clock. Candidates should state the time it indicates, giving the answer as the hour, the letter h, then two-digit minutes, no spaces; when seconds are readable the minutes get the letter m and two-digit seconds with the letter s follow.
8h57m49s
